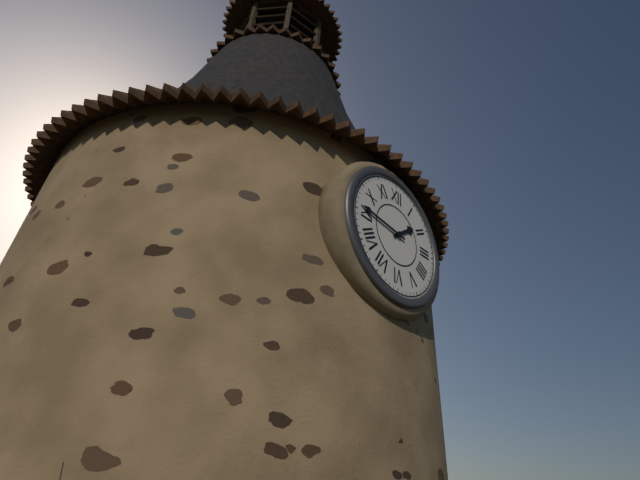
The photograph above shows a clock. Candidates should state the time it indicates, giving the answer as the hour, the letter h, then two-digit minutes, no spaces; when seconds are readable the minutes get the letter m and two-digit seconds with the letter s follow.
1h46
